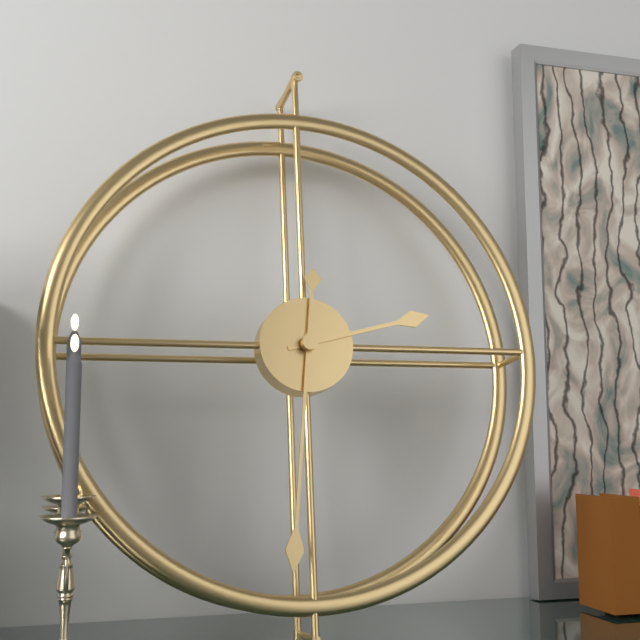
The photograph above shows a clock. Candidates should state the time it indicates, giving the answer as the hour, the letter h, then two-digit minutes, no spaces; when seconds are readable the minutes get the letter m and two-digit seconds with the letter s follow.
2h31
